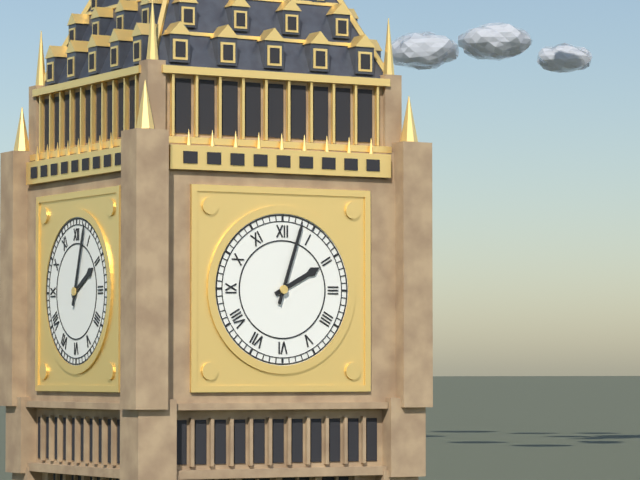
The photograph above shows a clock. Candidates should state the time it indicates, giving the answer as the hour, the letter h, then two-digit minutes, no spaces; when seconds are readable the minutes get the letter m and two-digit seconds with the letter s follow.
2h03
